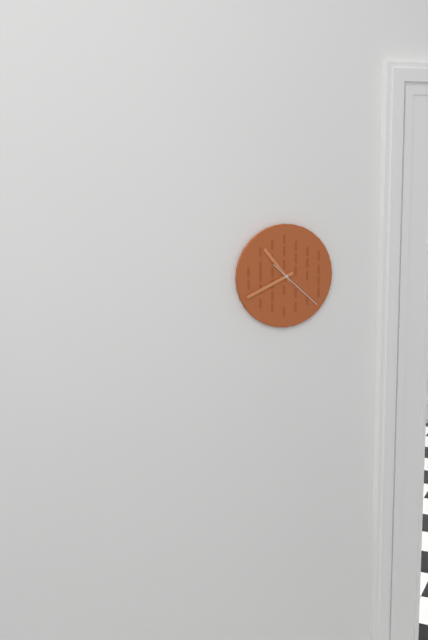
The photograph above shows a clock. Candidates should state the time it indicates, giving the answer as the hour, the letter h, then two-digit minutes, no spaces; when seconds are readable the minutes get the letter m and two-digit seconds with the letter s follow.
10h41m22s
